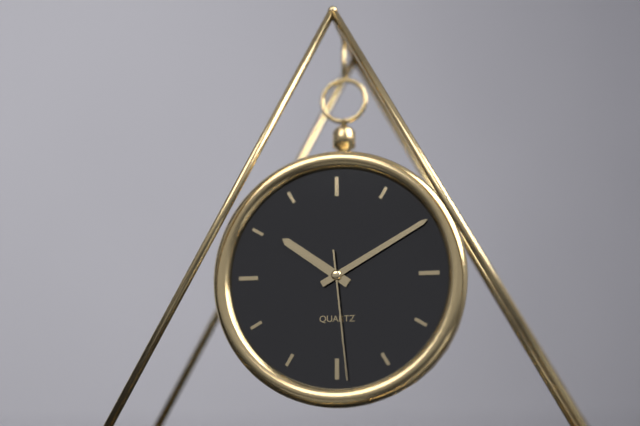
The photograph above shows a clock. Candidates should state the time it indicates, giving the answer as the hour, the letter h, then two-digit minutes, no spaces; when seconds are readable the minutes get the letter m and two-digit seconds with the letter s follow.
10h10m29s
